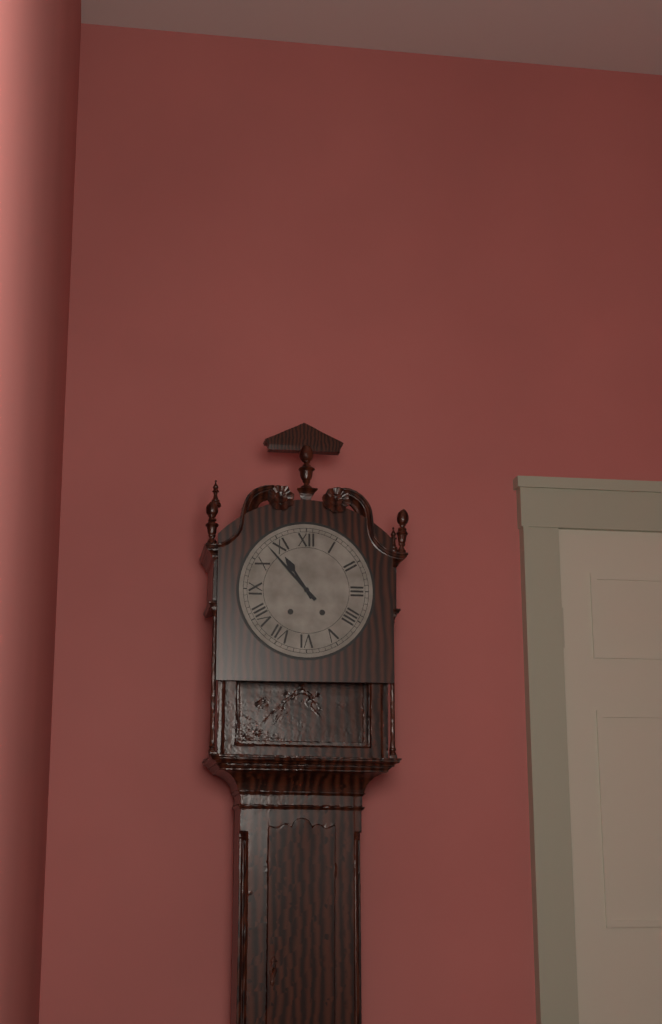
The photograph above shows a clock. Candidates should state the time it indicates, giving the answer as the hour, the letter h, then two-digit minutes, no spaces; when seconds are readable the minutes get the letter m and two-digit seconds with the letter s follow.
10h53
